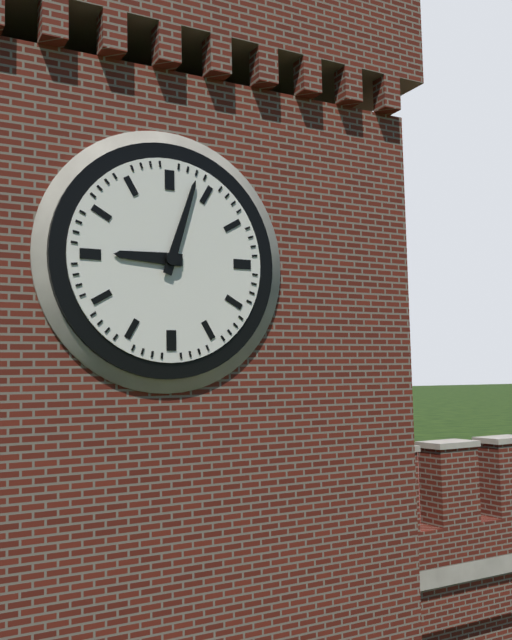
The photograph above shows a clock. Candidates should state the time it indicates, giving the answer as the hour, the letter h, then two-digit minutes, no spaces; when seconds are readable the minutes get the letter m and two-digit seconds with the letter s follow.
9h03
